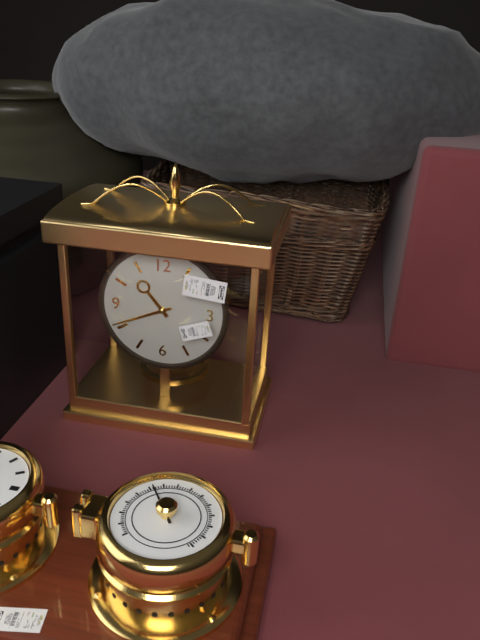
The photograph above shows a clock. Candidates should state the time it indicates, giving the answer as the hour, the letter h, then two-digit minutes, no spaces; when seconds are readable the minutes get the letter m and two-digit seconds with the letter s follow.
10h41
